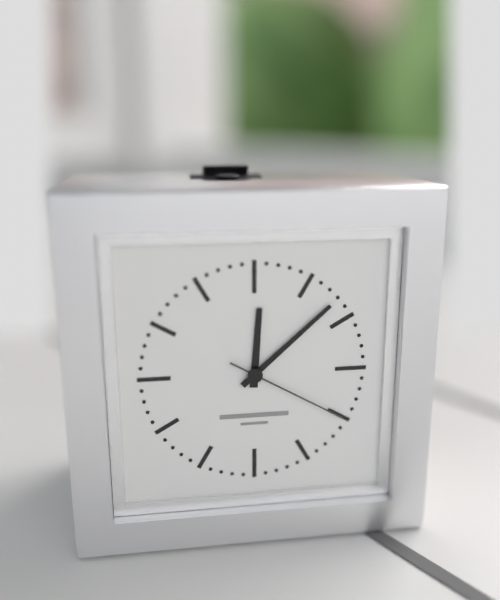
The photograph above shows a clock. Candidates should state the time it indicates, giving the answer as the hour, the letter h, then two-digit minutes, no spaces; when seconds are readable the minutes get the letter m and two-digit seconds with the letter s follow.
12h08m20s
